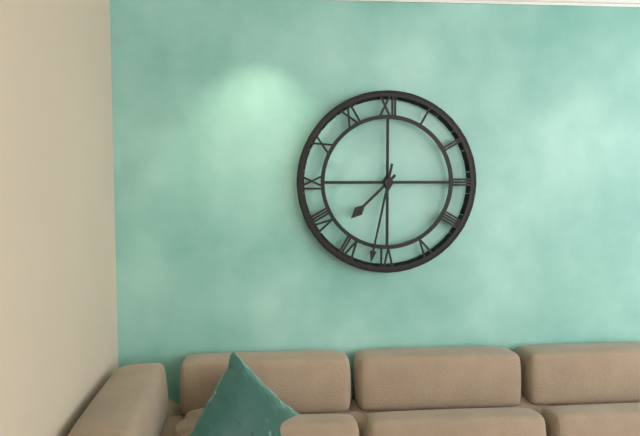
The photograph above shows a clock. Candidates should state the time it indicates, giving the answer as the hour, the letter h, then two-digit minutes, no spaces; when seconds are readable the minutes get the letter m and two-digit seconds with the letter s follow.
7h32
